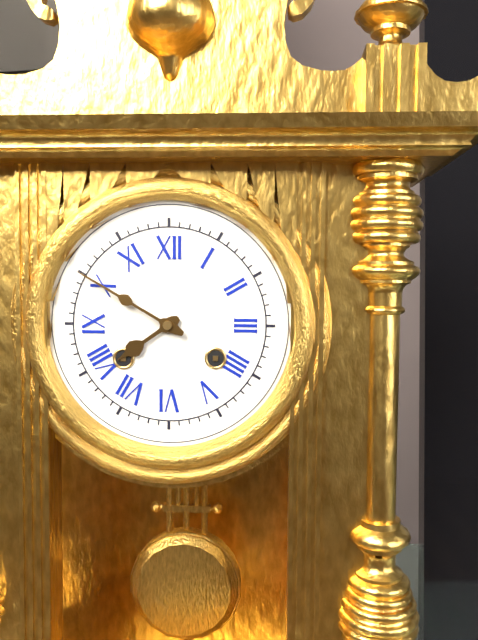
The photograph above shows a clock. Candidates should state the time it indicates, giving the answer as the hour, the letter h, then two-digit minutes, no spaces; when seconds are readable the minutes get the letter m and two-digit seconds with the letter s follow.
7h50
